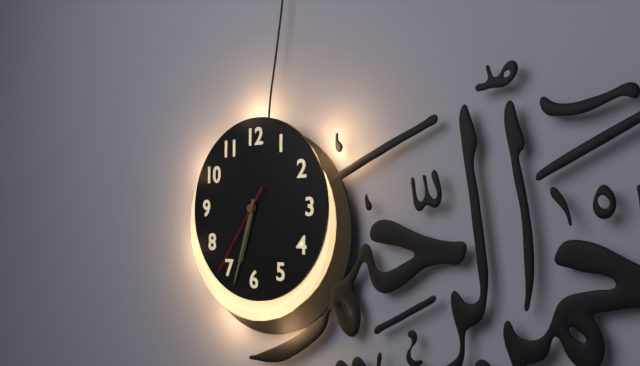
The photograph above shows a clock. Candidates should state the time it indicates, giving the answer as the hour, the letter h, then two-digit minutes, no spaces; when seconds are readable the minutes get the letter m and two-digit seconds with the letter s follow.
6h33m36s
